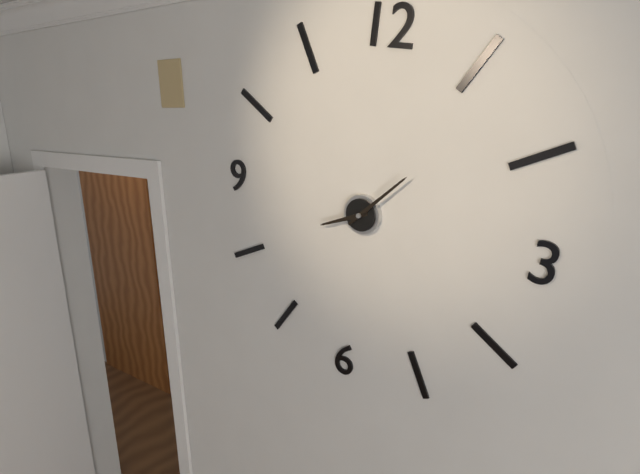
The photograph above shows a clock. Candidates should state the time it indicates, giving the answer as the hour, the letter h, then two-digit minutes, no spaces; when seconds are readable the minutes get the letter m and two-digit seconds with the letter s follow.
8h07
